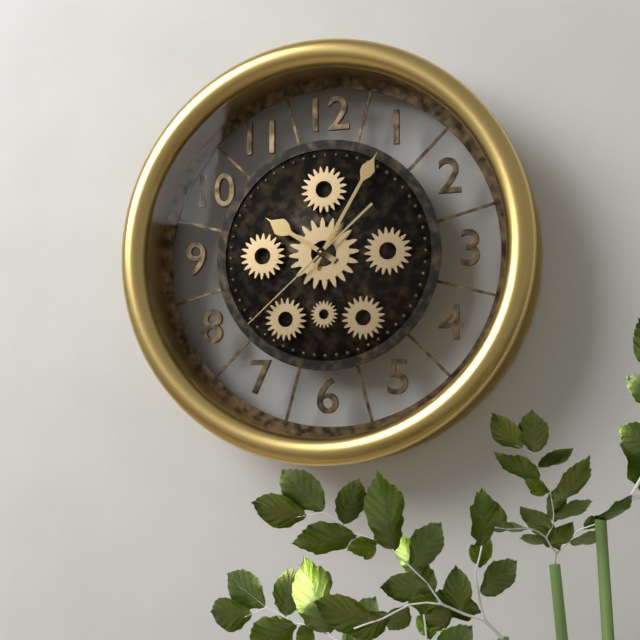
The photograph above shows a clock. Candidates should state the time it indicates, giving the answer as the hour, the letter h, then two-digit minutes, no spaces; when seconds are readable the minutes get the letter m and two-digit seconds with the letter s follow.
10h05m38s
